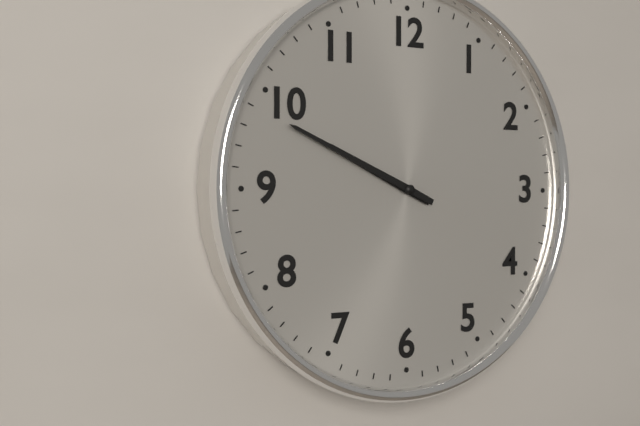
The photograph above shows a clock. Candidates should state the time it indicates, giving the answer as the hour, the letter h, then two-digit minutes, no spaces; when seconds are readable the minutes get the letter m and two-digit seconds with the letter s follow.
9h49
